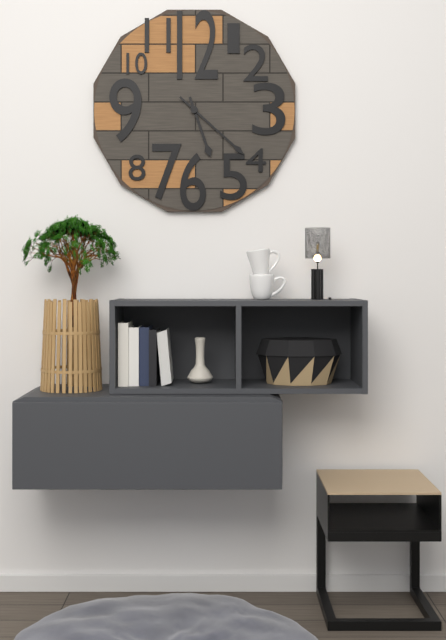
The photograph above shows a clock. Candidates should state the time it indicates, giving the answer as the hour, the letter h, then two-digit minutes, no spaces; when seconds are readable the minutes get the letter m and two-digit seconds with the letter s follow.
5h22
